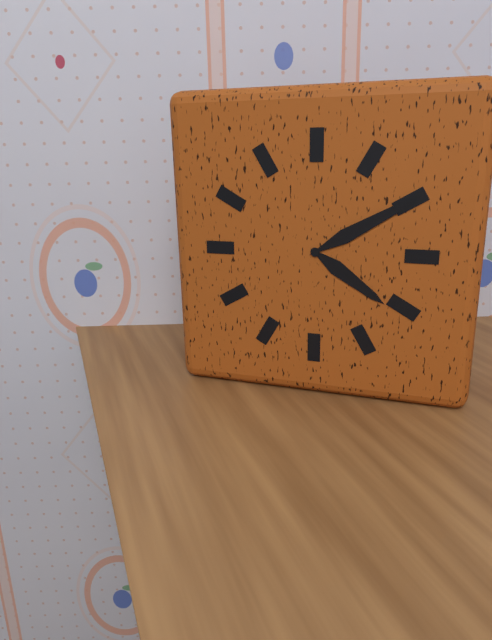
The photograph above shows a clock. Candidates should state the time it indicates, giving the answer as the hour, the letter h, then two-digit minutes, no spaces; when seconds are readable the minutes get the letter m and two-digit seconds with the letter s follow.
4h10
